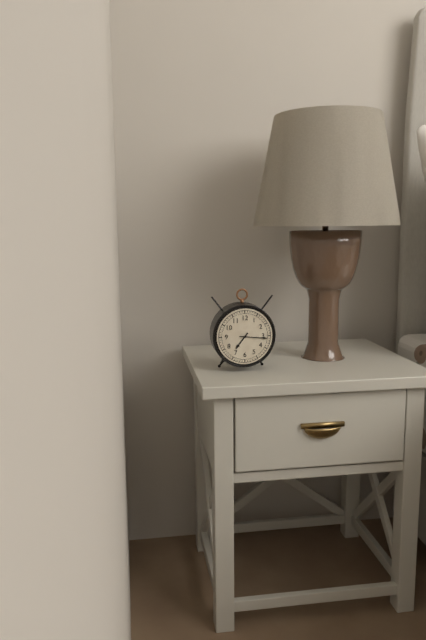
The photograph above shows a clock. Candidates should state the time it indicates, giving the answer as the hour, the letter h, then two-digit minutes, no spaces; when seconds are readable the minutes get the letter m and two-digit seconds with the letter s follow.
7h16
